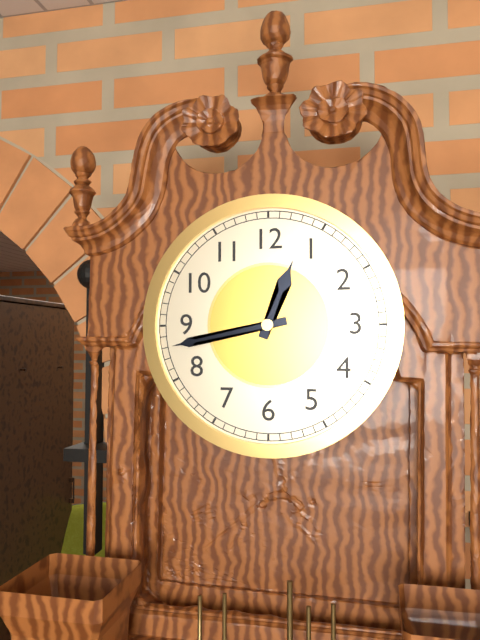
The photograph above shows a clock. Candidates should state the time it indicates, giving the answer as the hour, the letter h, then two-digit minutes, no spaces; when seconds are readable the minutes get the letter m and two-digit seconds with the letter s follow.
12h43
